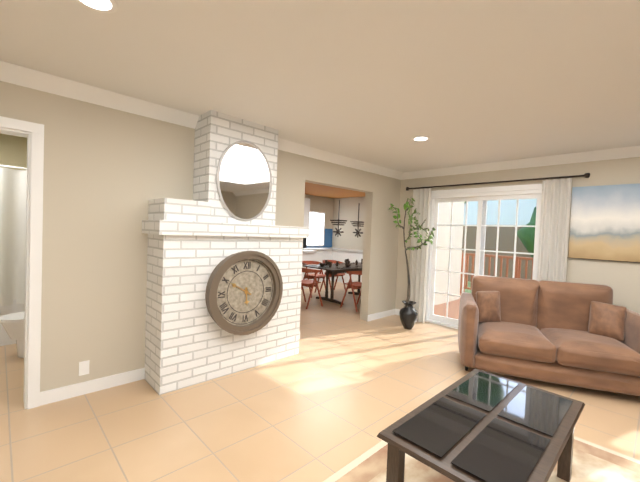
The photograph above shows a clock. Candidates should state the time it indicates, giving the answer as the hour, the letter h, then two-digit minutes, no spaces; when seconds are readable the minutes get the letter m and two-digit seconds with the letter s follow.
5h50
